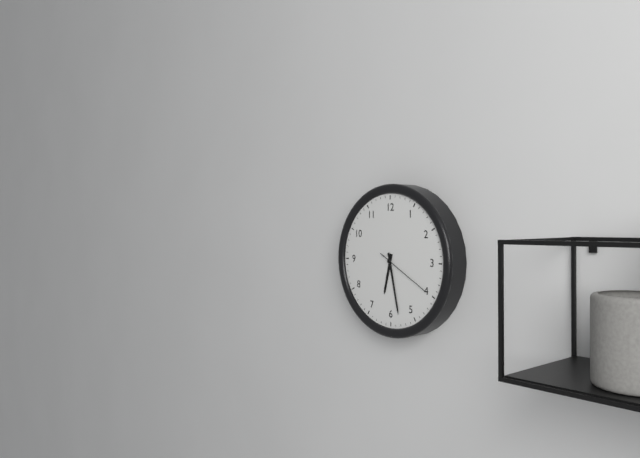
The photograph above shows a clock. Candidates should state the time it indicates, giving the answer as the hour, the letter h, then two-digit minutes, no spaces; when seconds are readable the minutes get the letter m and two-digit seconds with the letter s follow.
6h28m20s
